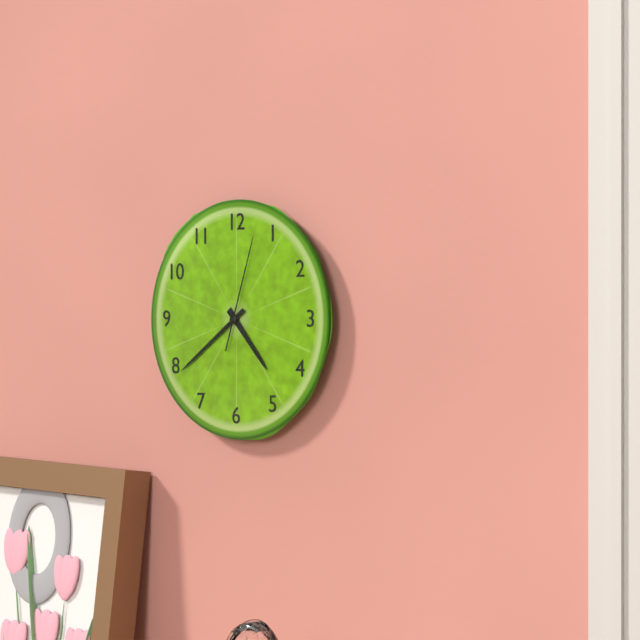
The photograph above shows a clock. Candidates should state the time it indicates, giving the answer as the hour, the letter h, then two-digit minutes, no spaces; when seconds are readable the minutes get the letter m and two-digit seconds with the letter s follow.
4h39m03s
